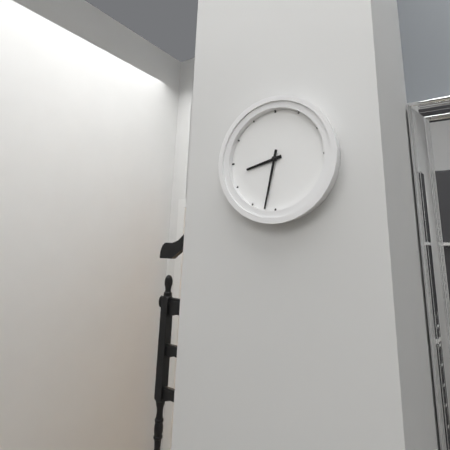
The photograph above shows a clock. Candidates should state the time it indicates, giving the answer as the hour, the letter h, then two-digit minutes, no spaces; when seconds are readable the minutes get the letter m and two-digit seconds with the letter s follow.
8h32
